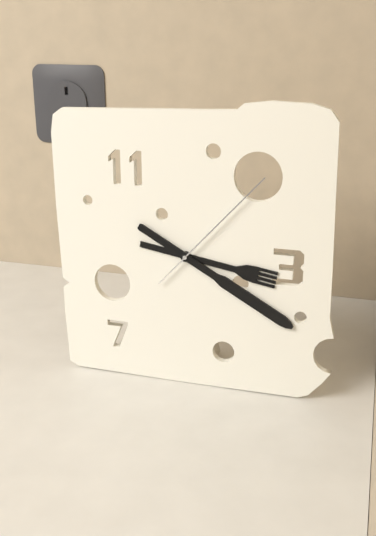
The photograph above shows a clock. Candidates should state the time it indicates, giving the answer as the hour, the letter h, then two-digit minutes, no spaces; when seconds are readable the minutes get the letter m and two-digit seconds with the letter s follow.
3h20m07s
